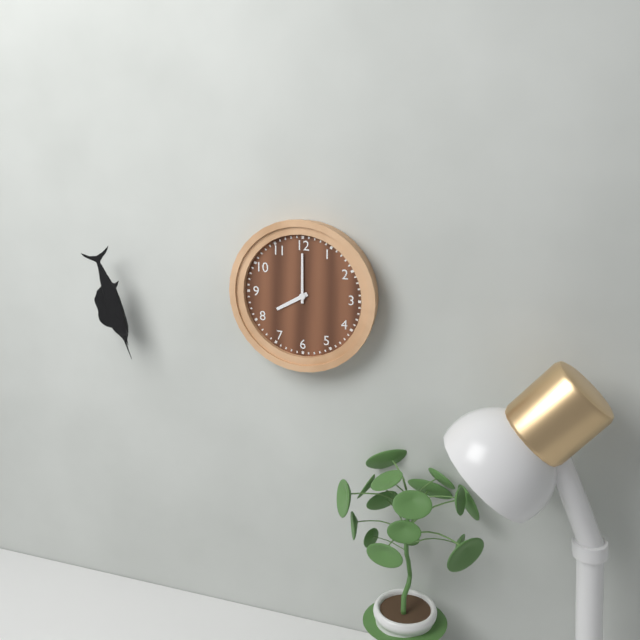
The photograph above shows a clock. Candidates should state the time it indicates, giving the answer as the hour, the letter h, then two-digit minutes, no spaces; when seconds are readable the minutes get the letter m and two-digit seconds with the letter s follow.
8h00
